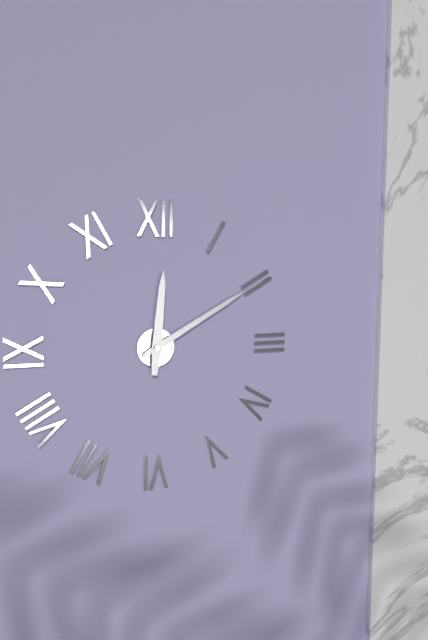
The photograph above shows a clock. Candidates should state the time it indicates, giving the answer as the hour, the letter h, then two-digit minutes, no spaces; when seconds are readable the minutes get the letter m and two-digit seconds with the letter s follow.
12h10
